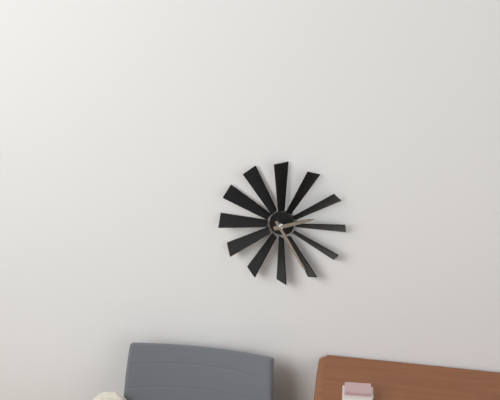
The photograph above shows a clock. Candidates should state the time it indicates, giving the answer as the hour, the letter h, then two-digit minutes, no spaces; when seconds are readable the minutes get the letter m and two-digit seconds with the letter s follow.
2h25
